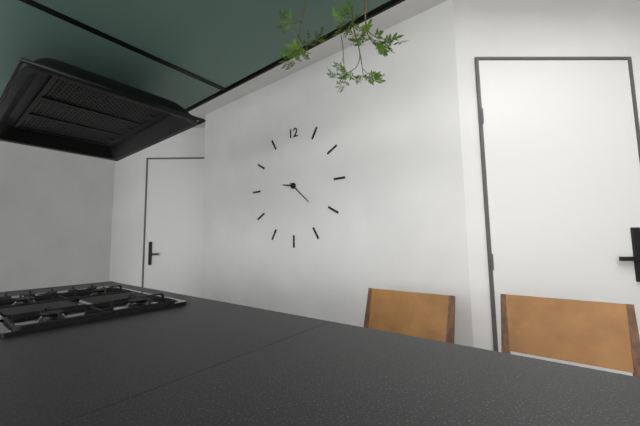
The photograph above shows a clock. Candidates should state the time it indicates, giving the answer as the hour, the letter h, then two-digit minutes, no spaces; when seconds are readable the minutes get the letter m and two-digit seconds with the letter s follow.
9h22
